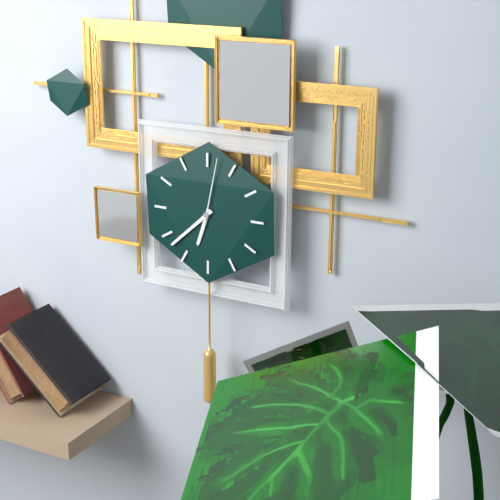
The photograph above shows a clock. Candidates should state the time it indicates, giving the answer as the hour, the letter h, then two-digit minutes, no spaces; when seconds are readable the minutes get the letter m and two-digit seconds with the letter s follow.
6h38m02s
